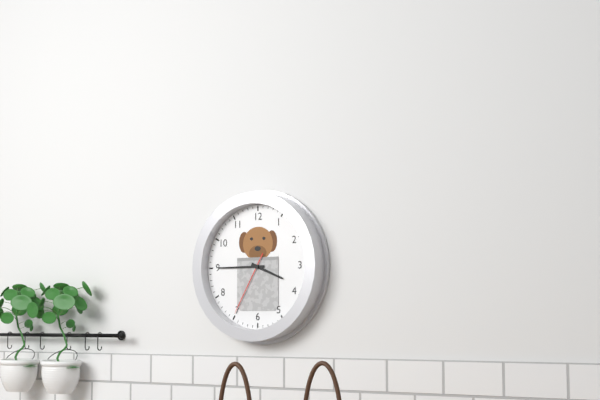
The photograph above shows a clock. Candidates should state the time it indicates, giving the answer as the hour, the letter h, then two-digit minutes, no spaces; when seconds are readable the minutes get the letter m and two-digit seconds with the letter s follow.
3h45m35s
